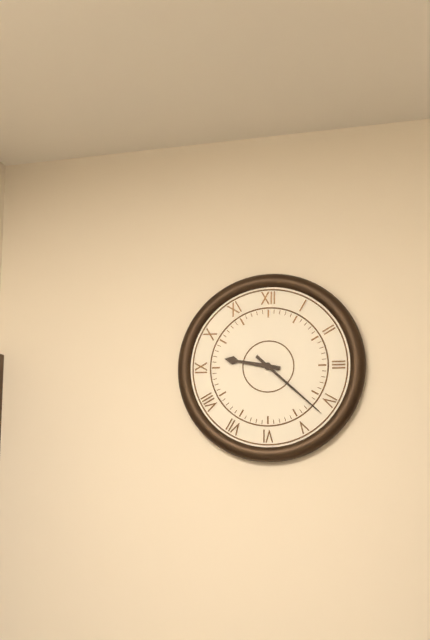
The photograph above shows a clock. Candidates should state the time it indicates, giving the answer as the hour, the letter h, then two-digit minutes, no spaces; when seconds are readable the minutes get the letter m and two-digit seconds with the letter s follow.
9h22
